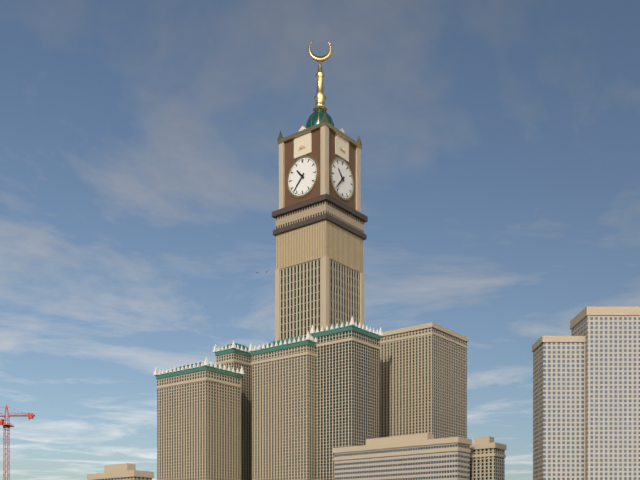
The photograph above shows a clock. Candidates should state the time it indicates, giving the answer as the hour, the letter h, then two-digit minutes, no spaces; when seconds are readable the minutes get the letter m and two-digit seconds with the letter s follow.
10h37
